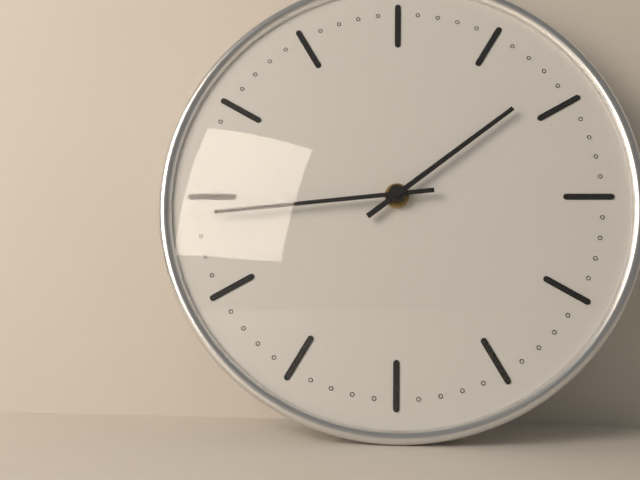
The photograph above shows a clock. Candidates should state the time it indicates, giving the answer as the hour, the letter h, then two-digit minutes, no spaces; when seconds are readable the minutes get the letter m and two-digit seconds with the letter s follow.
1h44
